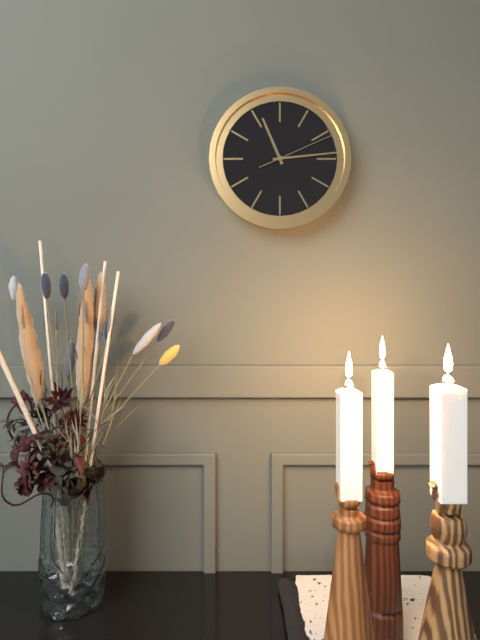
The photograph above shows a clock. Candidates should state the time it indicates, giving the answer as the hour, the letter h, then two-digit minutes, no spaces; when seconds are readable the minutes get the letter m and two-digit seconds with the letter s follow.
11h14m11s
